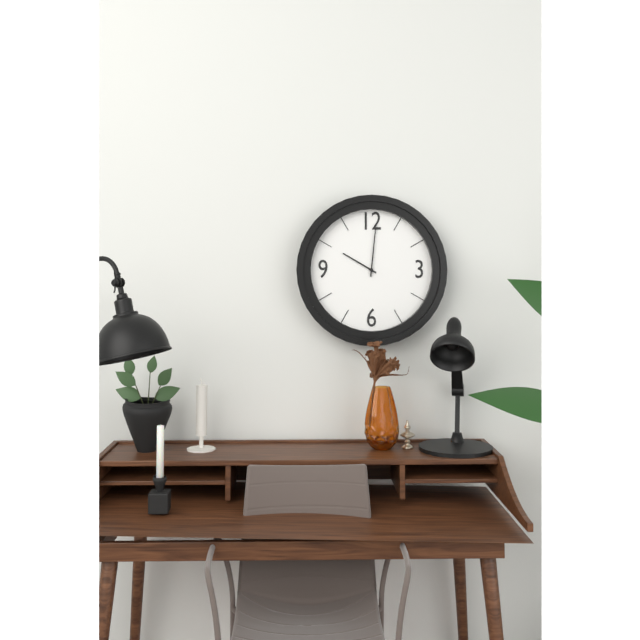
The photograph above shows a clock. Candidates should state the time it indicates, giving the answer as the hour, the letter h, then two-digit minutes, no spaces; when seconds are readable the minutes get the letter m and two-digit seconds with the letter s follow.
10h01
